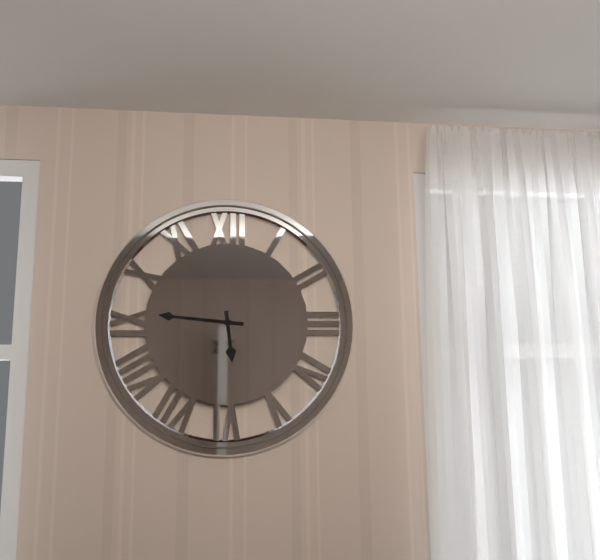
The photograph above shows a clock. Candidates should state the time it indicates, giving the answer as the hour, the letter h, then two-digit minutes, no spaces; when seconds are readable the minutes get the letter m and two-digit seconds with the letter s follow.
5h46
